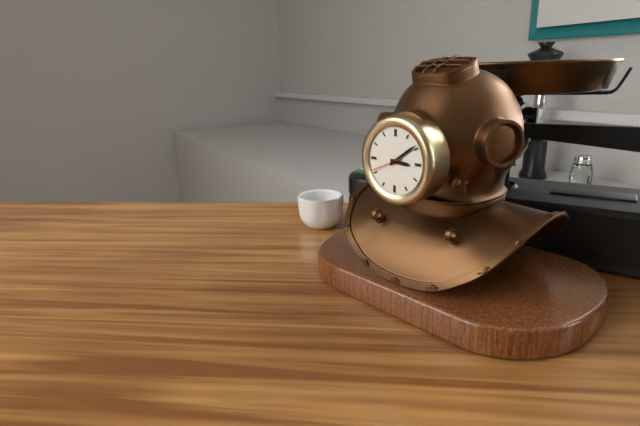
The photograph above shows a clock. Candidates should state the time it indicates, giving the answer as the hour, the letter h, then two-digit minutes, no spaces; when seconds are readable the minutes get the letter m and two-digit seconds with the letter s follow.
3h09
